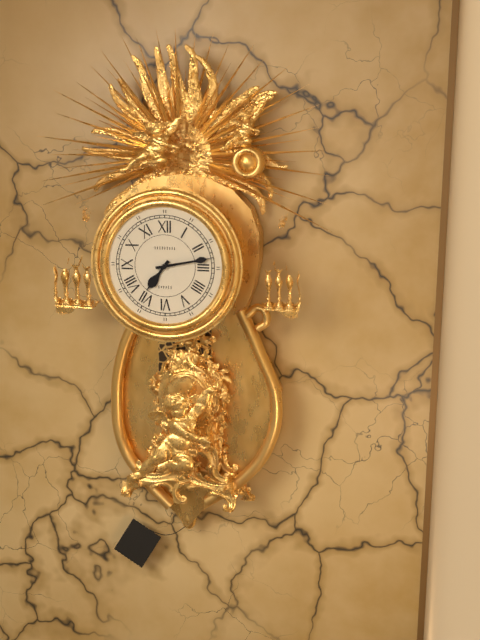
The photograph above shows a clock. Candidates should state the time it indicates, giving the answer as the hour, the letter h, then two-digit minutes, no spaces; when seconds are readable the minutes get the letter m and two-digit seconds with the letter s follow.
7h13
